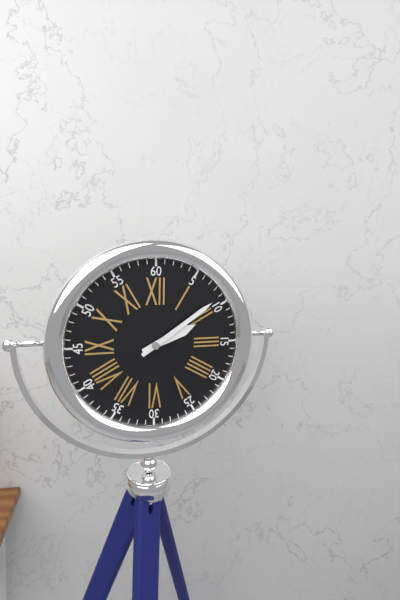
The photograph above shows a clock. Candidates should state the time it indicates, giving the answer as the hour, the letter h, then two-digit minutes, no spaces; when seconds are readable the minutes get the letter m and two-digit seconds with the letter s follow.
2h09
